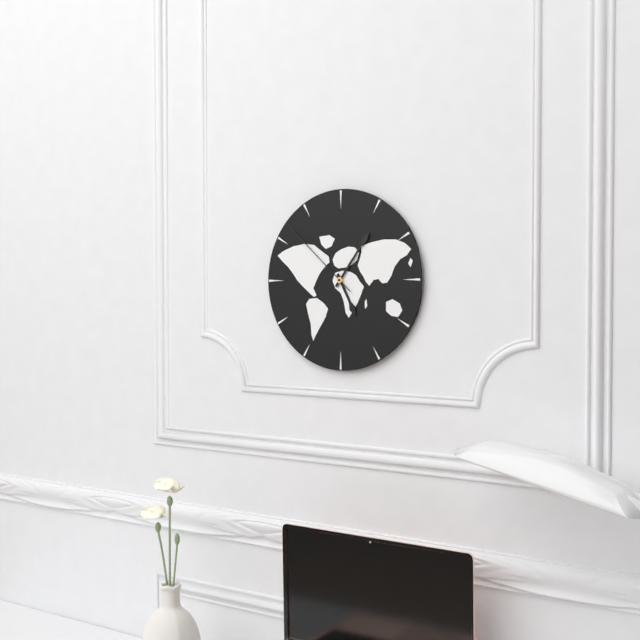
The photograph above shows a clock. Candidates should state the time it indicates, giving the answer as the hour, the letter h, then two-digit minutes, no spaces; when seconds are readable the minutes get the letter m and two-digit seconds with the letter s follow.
5h06m52s
